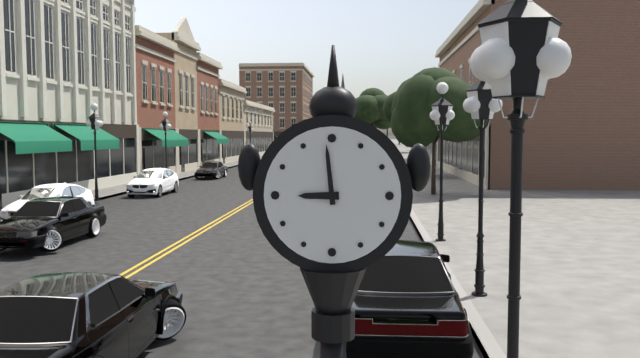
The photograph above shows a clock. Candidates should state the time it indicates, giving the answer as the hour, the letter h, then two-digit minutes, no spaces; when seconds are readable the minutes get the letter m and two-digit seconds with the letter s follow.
8h59
